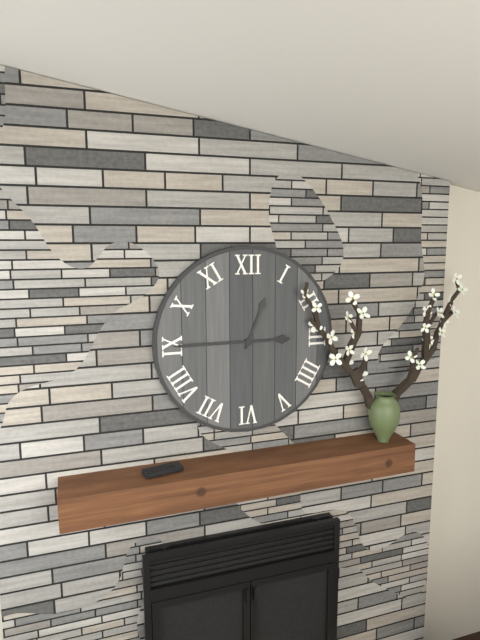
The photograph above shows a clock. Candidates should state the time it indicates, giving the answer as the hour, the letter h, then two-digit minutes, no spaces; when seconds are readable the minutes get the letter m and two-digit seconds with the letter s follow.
12h45
